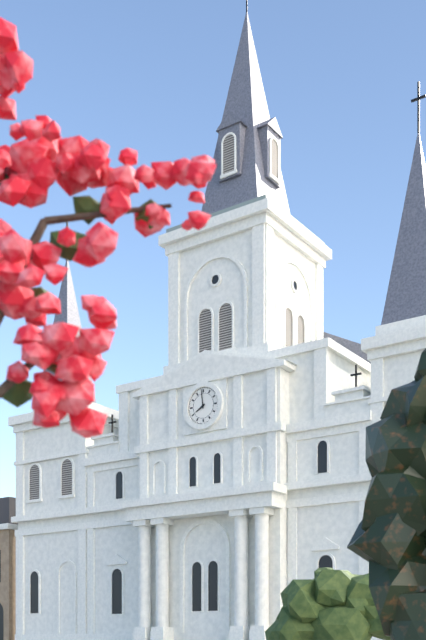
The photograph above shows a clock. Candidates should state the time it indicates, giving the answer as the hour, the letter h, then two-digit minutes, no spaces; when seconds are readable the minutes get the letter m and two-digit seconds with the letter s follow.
7h59
